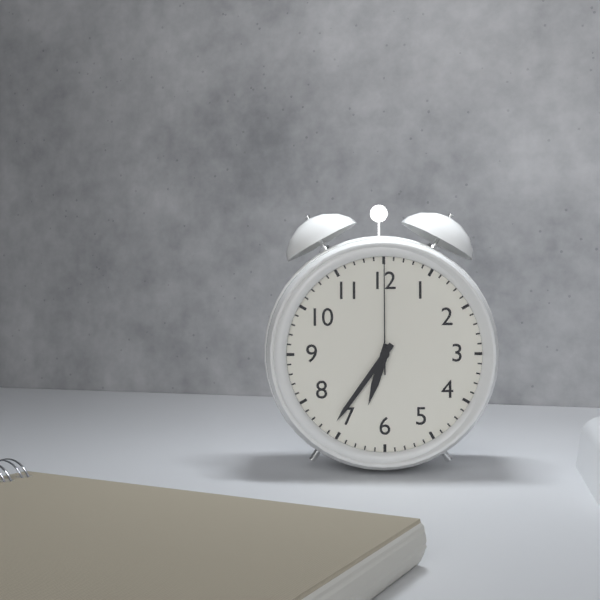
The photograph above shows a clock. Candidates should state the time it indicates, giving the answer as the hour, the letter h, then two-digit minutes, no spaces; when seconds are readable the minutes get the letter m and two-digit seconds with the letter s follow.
6h36m00s
